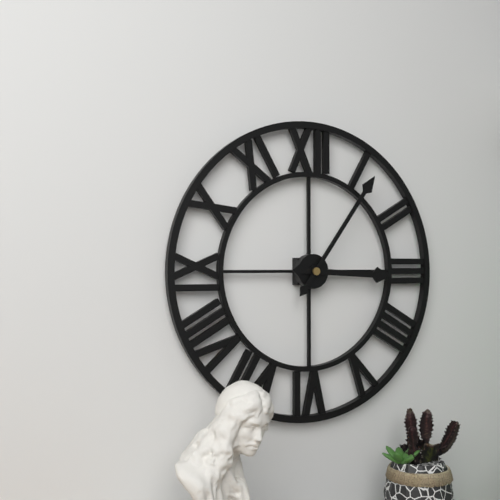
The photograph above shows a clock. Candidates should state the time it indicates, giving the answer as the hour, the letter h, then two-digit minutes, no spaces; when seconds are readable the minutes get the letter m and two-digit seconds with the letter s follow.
3h06
